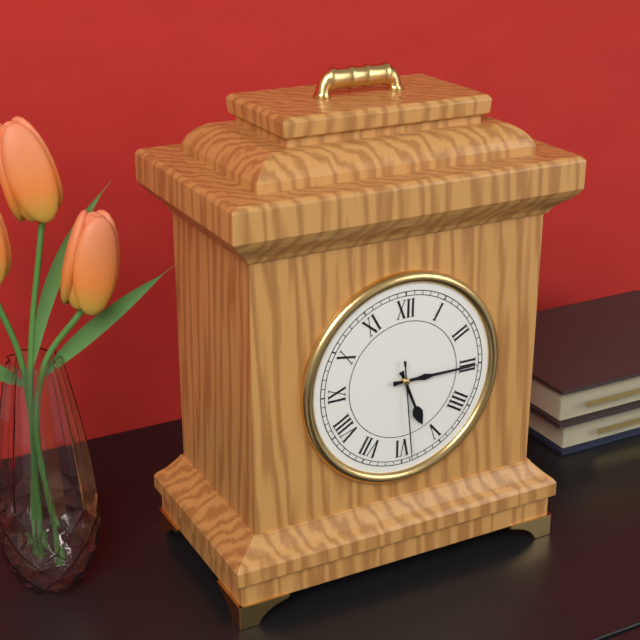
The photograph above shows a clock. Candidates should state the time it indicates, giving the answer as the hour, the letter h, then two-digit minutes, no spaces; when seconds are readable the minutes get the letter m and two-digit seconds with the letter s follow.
5h15m29s
